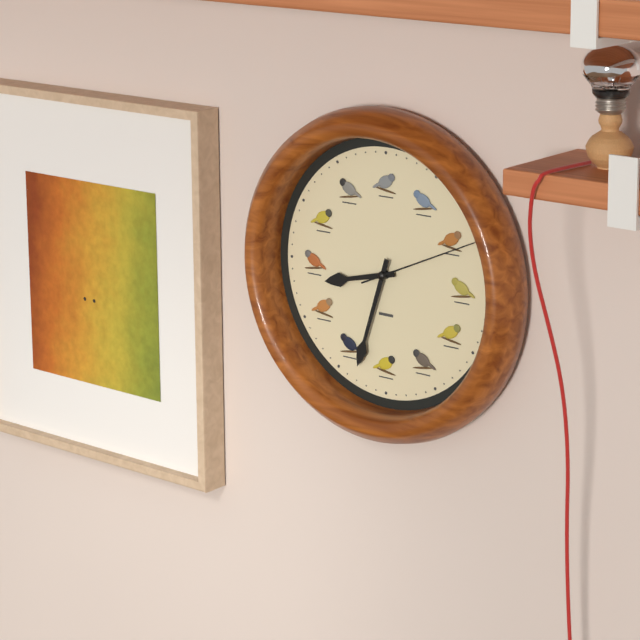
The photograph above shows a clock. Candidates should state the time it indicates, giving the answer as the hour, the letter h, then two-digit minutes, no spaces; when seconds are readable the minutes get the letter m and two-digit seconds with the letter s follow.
8h33m11s
